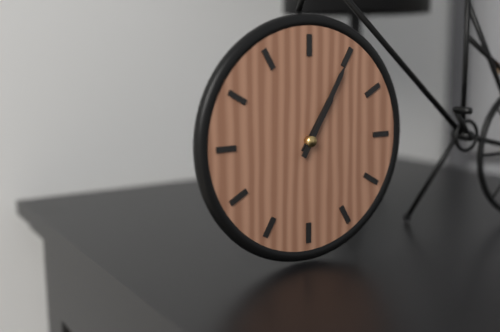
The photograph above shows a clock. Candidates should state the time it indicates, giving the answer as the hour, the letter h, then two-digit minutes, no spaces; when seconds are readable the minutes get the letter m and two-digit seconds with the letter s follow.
1h05
